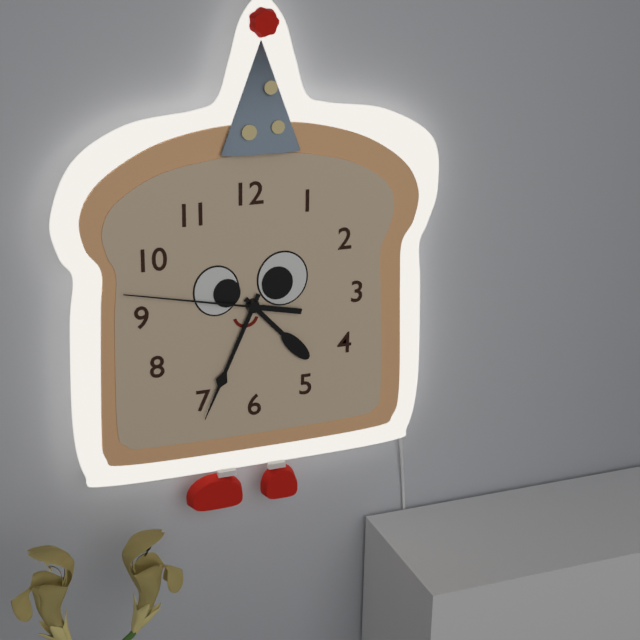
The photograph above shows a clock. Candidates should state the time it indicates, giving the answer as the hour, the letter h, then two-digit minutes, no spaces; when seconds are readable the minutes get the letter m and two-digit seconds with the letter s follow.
4h34m47s
